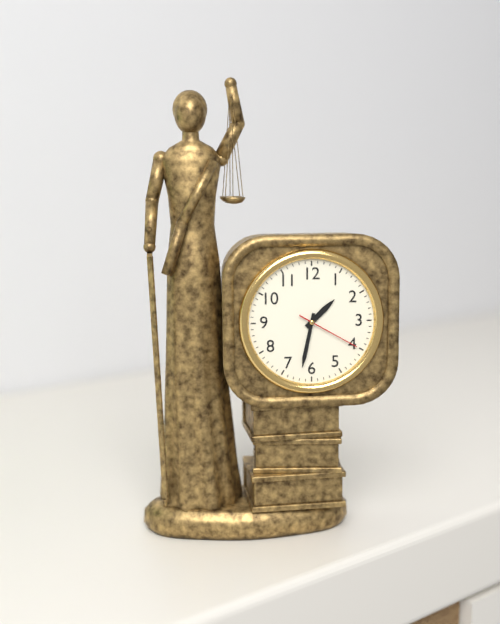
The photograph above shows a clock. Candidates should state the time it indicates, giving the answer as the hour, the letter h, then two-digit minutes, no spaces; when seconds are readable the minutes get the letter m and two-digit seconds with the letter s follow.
1h32m20s
